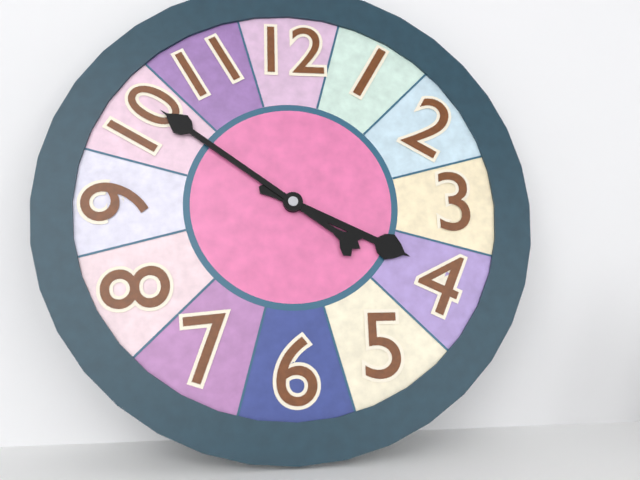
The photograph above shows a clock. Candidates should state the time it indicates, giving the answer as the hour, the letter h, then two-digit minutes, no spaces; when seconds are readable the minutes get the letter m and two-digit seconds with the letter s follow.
3h51
